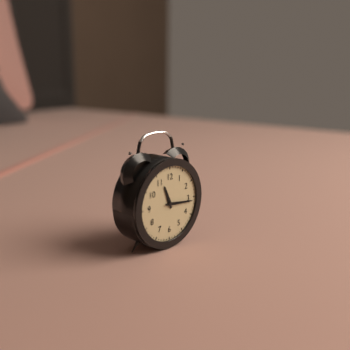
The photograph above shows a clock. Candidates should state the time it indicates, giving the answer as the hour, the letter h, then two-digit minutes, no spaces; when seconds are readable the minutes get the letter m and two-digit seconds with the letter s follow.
11h16
